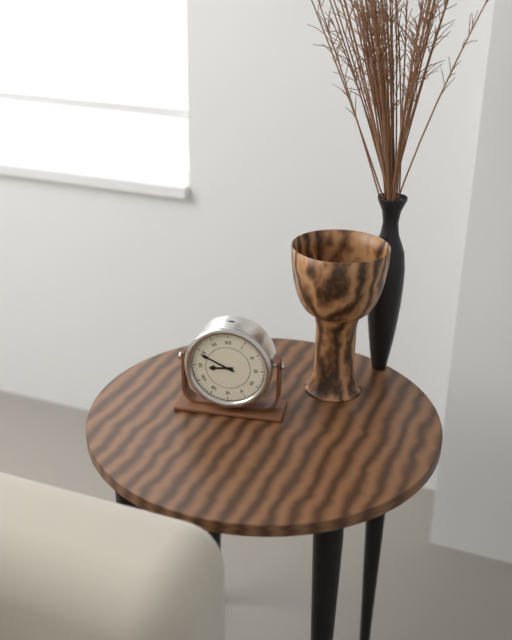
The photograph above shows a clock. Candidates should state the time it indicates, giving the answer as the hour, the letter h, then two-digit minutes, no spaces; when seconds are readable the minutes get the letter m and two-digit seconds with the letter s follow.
8h49
